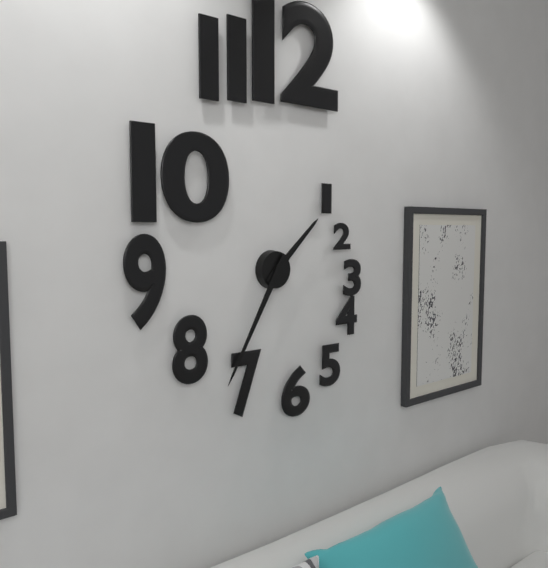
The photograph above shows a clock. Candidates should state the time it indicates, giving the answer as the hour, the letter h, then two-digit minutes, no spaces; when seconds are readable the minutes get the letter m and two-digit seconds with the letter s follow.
1h35
